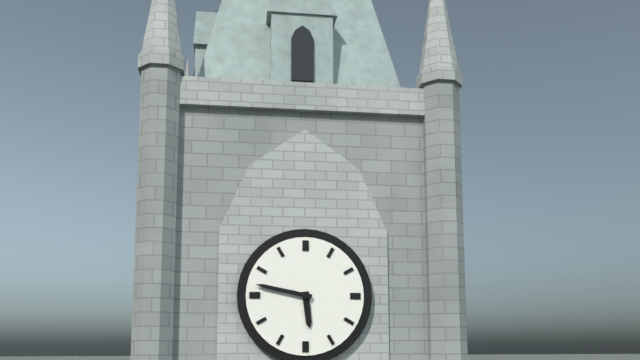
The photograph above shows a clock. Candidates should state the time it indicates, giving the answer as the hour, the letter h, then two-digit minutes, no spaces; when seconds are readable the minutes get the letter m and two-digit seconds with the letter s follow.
5h47
